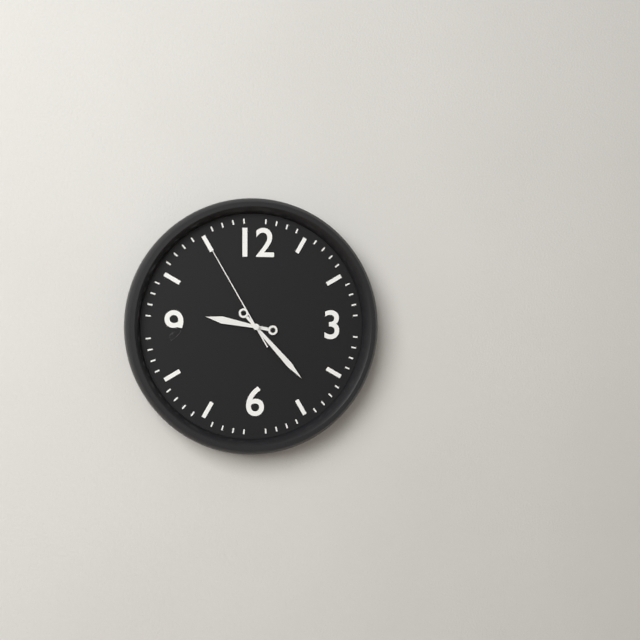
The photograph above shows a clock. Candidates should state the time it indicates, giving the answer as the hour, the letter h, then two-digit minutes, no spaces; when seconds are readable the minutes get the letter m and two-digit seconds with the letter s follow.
9h23m55s
